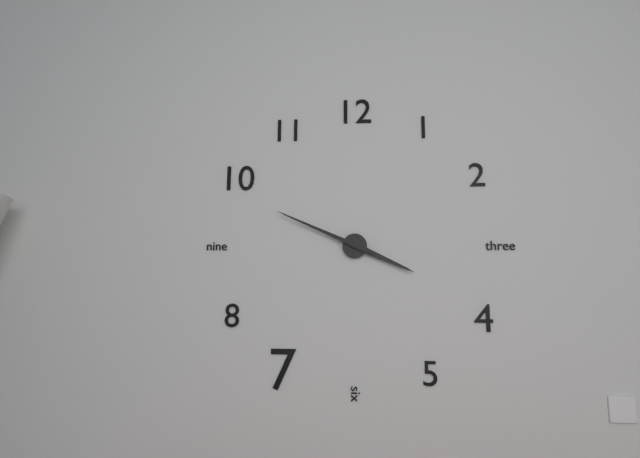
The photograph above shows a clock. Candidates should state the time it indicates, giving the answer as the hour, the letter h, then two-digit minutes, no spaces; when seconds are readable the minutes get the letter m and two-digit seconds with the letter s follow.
3h49
